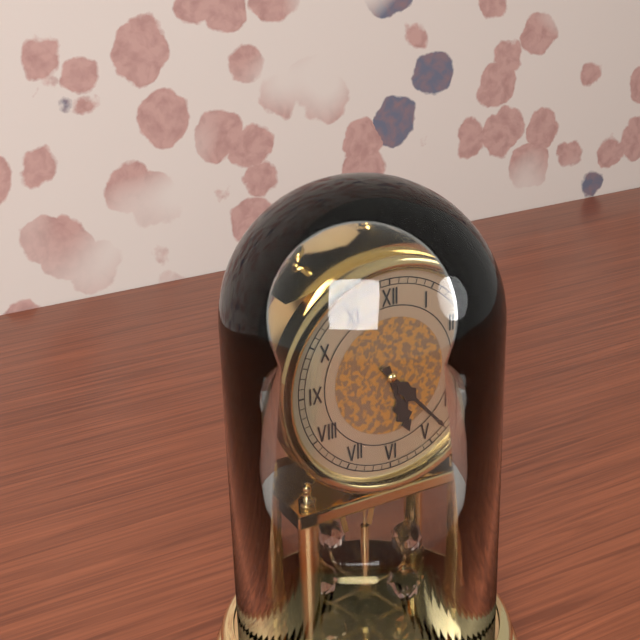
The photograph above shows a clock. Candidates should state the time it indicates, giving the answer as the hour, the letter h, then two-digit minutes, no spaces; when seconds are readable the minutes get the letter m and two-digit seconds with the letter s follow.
5h23
